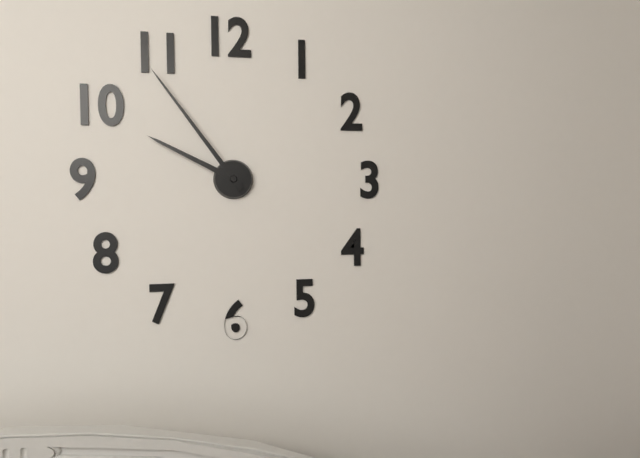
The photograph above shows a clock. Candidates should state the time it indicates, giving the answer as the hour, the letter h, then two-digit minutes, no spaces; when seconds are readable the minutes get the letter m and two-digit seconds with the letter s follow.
9h54
